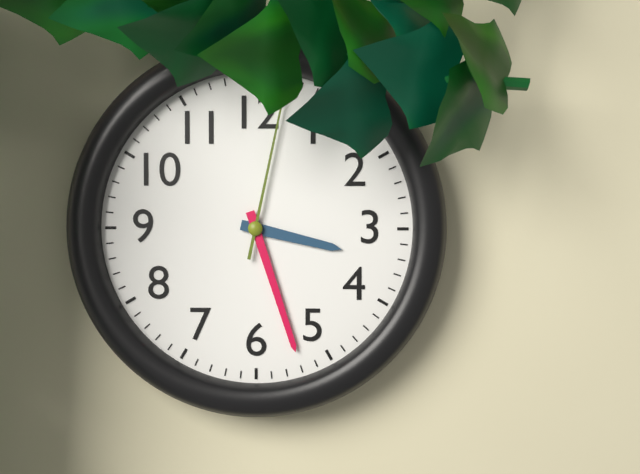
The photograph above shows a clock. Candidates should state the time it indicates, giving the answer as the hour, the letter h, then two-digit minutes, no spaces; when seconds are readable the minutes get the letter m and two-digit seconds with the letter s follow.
3h27m02s
